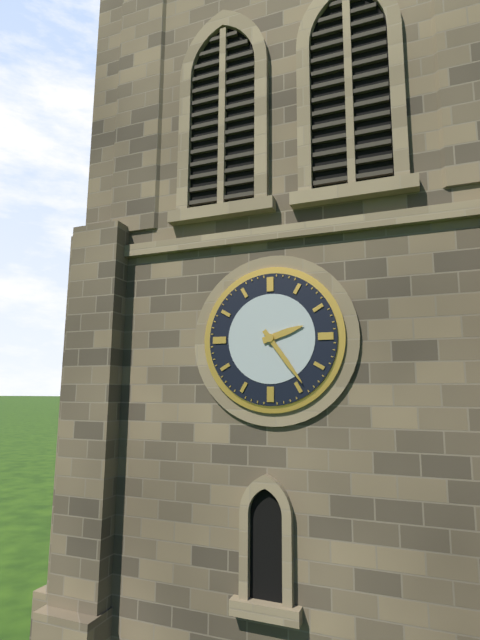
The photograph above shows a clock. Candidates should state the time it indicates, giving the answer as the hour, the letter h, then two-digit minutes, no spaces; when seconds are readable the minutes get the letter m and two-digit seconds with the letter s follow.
2h24
